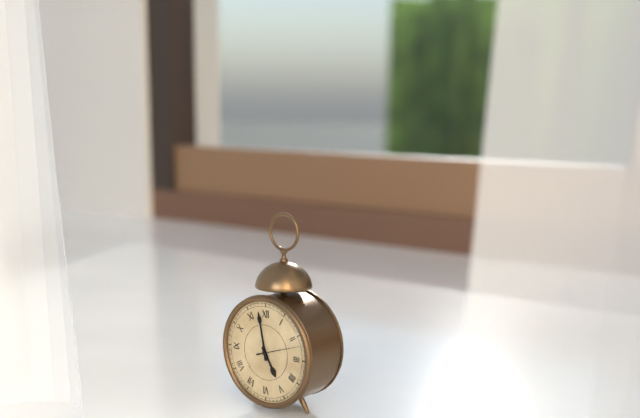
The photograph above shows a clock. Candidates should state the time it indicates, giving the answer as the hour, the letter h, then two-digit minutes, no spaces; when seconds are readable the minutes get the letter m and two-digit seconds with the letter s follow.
4h58
